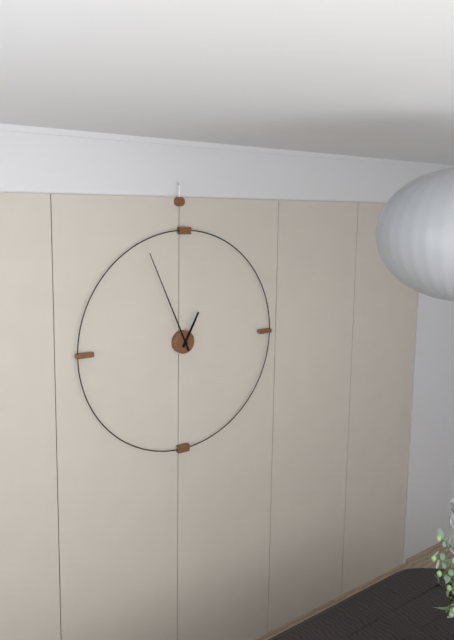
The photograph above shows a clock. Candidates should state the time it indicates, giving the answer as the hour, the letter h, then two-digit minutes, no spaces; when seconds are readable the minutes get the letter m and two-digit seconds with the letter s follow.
12h56
